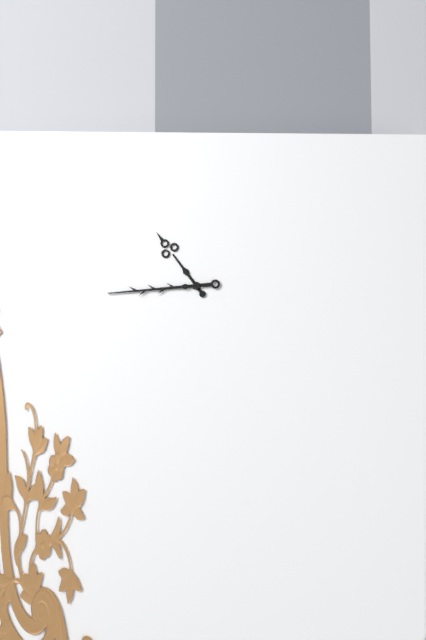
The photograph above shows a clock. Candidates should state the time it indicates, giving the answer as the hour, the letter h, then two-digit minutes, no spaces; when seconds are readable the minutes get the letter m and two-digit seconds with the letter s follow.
10h44
